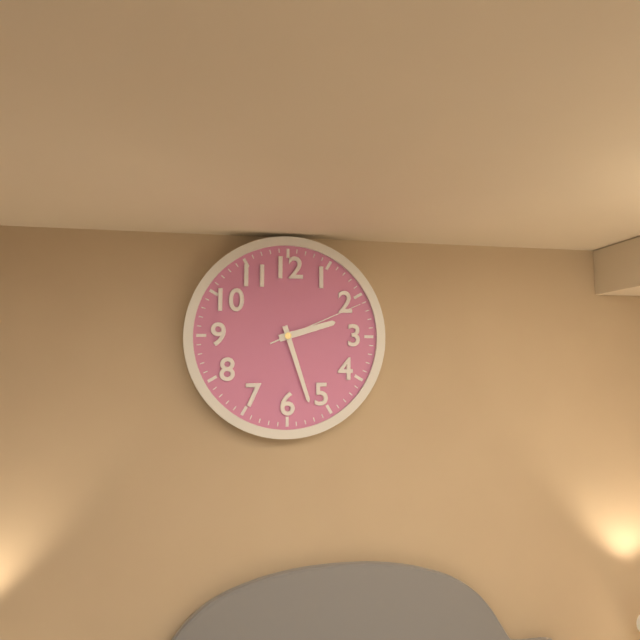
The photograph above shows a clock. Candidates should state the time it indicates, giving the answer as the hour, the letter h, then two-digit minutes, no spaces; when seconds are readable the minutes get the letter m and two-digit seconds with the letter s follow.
2h27m11s
